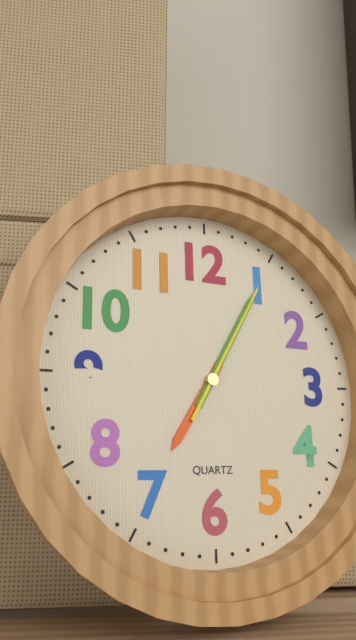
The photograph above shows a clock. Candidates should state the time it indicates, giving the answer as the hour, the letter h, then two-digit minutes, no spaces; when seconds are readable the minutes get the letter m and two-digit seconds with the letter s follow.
7h05m05s
